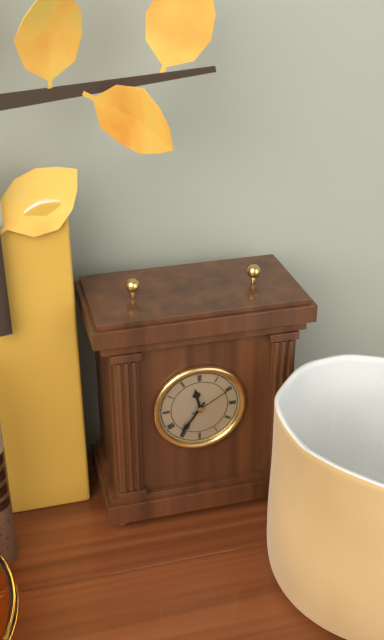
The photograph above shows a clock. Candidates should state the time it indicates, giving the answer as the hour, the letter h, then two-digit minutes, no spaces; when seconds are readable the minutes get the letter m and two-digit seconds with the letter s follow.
11h36
